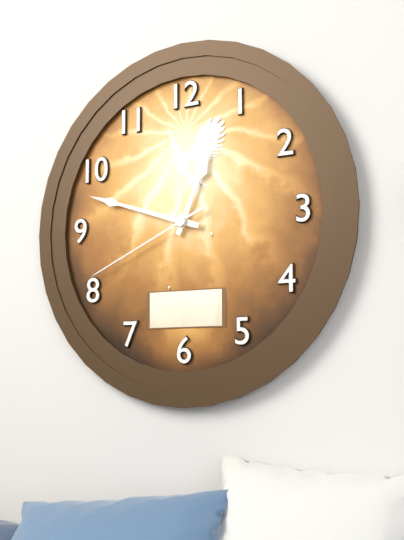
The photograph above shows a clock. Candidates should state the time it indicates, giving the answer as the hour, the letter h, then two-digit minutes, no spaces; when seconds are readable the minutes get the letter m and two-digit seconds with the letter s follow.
12h48m41s
